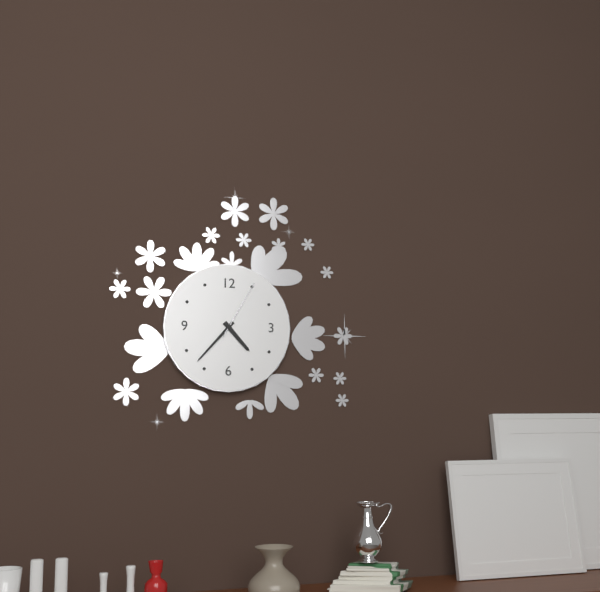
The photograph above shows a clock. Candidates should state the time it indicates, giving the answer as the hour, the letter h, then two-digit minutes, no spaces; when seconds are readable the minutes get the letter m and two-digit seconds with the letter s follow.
4h37m05s
